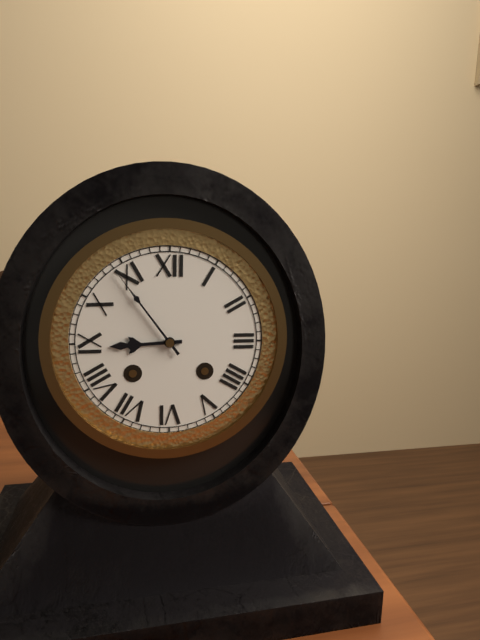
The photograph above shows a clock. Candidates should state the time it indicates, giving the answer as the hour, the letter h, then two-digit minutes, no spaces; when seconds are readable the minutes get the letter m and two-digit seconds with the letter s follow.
8h54
